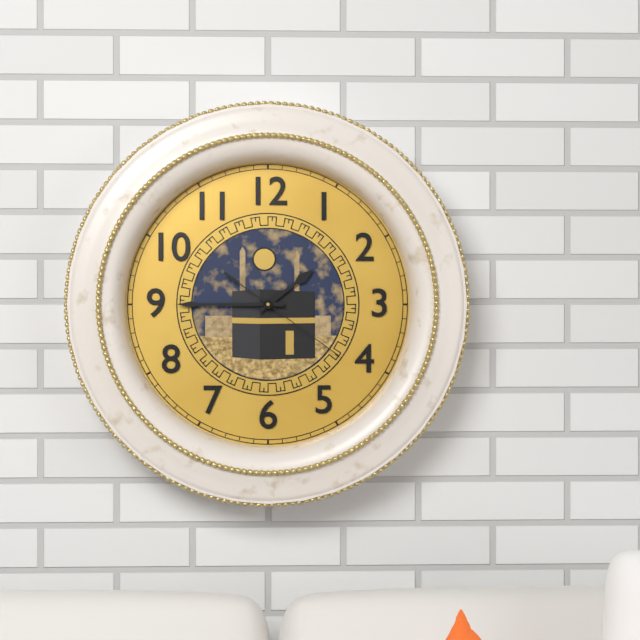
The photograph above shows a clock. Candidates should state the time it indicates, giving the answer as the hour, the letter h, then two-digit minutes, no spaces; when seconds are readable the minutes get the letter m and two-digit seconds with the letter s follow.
1h45m21s
